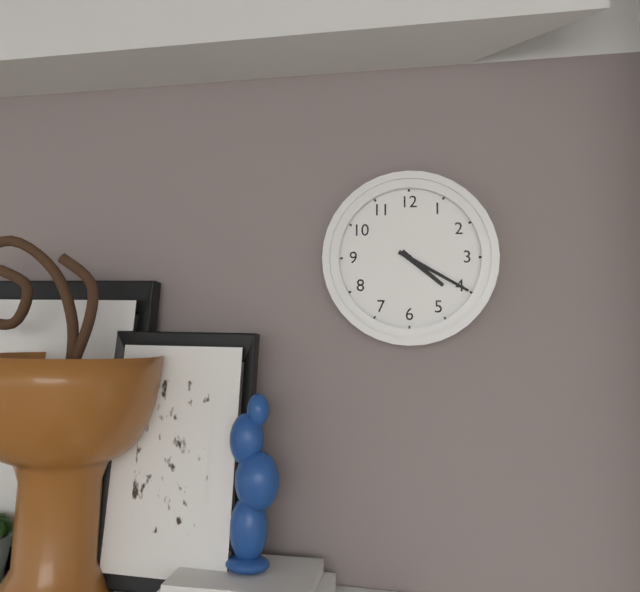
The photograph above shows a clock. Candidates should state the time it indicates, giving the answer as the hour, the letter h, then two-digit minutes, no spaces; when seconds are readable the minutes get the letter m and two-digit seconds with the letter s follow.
4h20
